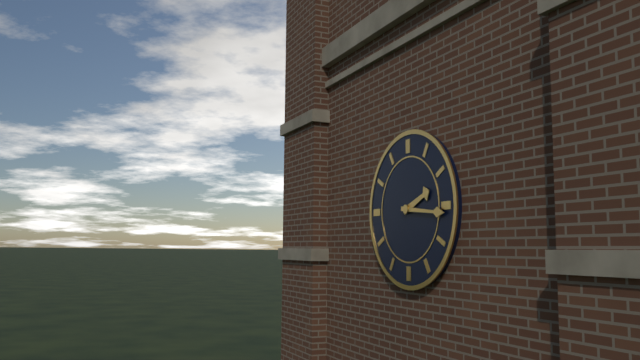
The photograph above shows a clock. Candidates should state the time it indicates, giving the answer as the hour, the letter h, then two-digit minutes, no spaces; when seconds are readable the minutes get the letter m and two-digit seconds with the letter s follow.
2h16
